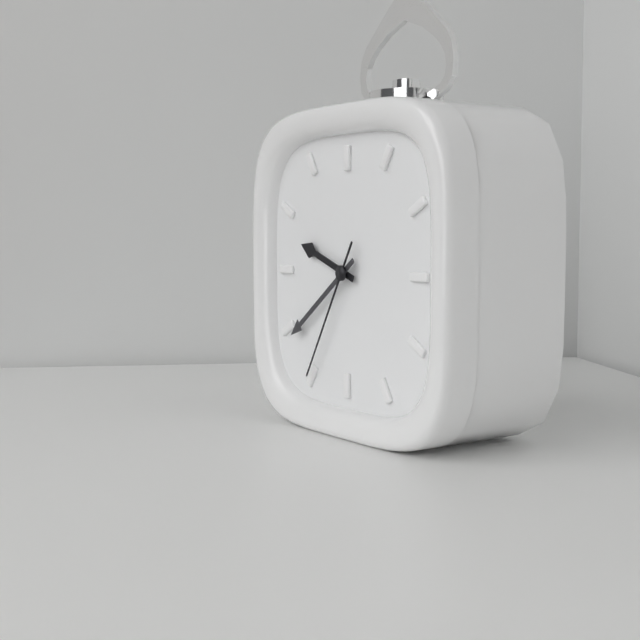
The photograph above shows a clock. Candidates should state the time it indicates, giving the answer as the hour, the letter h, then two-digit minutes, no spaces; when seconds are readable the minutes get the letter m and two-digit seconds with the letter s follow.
9h39m35s
